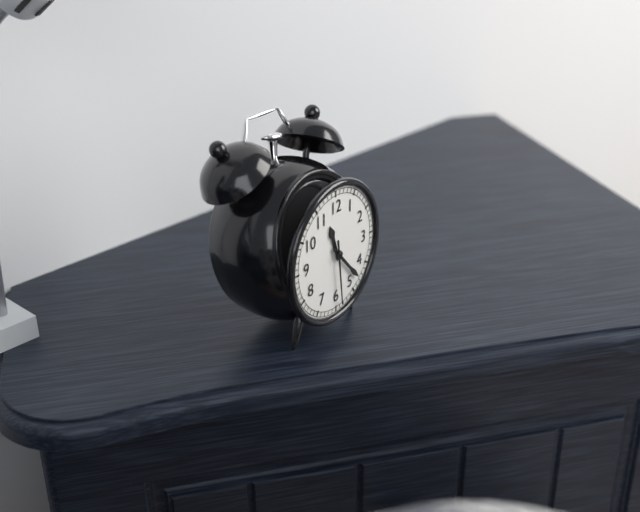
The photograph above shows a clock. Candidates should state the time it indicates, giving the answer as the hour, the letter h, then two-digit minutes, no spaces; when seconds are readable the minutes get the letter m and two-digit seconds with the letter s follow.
11h23m29s
